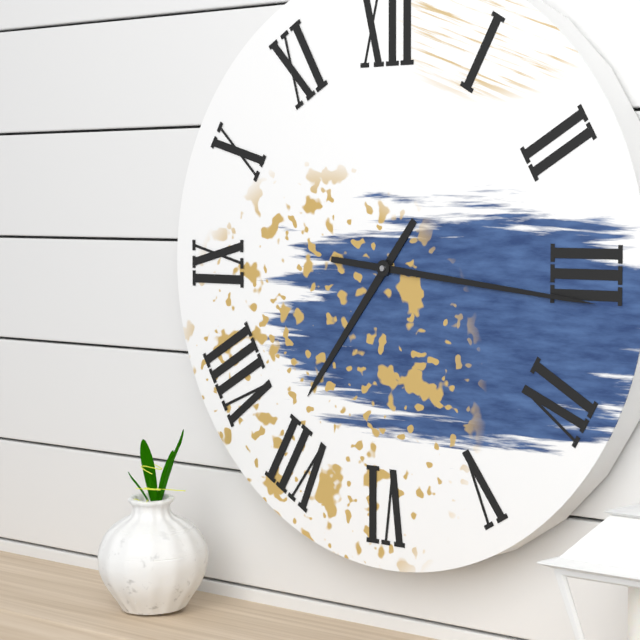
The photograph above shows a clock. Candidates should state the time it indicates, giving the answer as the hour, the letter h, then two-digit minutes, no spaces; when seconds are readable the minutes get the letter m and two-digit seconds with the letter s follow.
7h16
